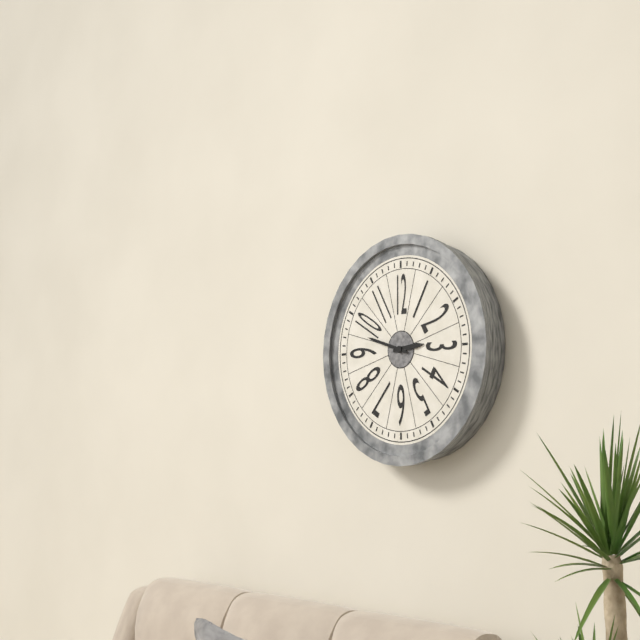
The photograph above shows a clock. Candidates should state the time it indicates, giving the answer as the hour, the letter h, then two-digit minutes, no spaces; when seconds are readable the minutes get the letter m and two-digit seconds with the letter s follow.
2h48
